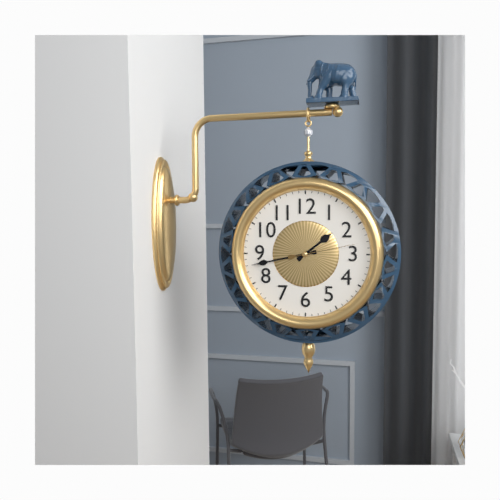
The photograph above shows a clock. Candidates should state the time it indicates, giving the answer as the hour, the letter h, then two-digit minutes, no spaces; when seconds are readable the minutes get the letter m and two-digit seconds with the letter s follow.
1h43m13s
